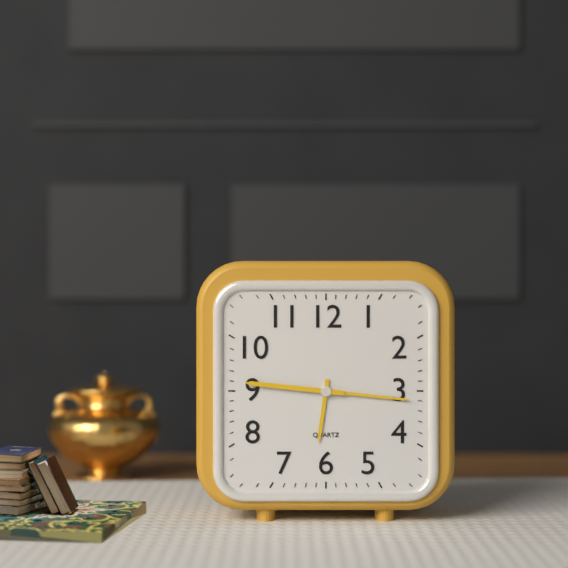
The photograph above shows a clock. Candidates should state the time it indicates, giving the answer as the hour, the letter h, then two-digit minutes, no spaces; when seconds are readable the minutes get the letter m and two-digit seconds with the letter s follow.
6h16m46s
